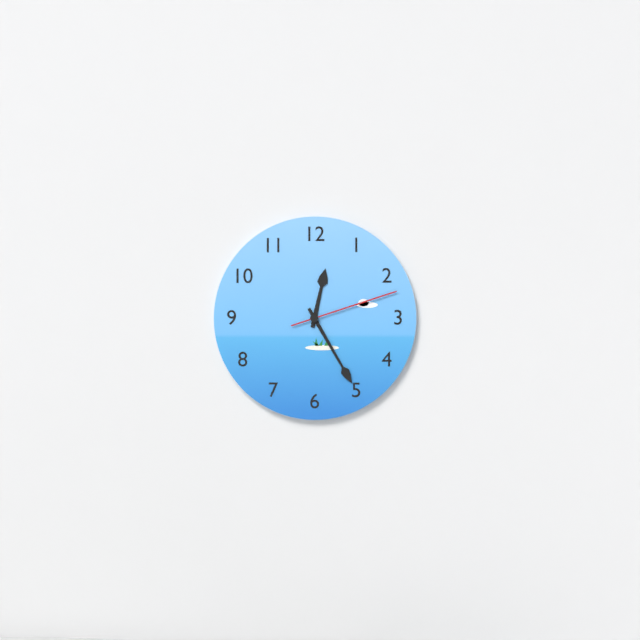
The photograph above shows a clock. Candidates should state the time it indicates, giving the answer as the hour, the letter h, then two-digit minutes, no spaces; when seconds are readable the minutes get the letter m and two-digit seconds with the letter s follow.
12h25m12s
